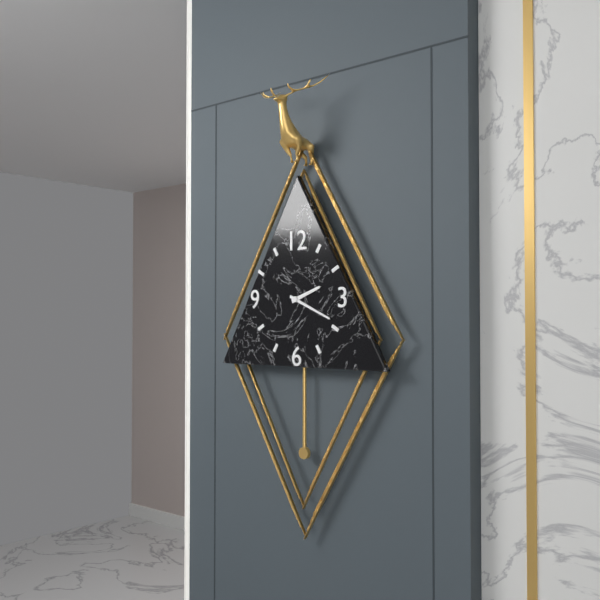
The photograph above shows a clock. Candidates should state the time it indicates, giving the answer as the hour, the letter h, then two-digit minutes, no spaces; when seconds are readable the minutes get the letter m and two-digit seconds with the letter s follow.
2h19
